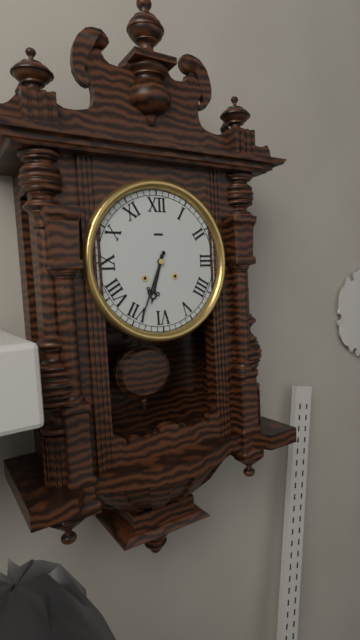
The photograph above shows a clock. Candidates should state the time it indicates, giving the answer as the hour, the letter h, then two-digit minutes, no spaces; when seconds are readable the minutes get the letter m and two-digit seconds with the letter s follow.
6h34
